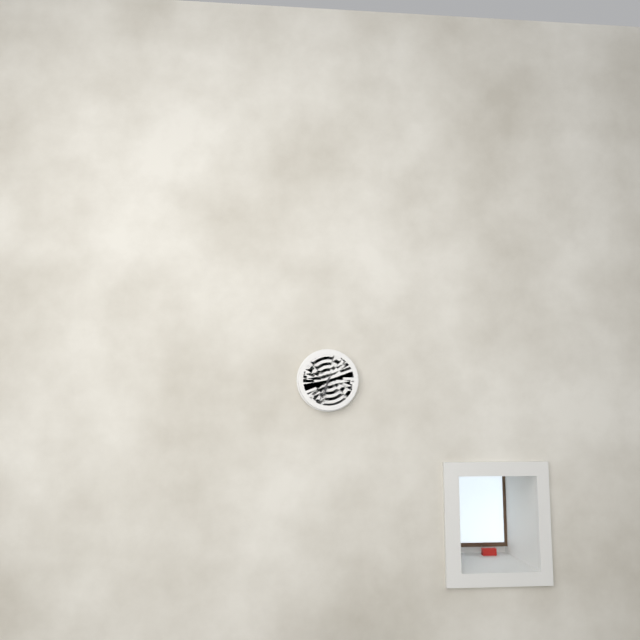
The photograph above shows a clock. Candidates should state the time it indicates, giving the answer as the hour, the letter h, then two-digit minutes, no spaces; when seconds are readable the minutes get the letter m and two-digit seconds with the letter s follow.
6h34
